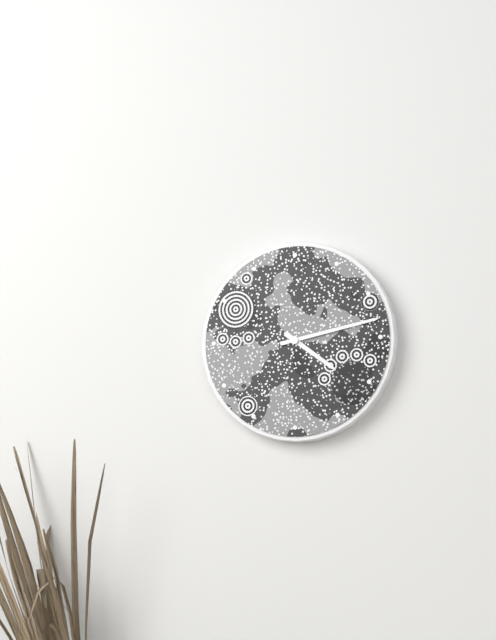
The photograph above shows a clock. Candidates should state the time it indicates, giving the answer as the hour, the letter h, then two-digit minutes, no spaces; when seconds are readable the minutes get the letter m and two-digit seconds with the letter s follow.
4h13
